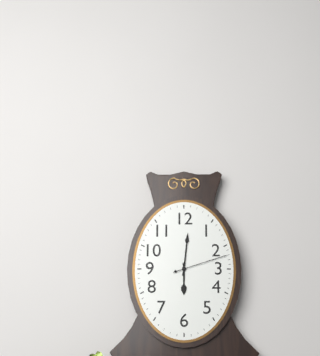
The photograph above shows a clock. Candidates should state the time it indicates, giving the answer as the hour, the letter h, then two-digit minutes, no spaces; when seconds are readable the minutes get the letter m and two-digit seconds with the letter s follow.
6h01m12s
